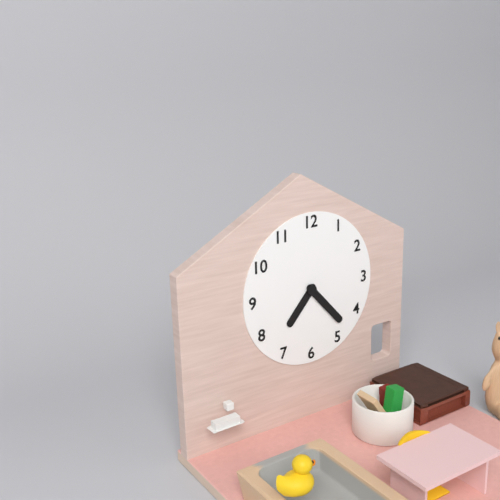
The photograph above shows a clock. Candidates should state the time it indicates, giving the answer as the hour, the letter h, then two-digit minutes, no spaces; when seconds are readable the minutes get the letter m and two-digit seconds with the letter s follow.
7h23
